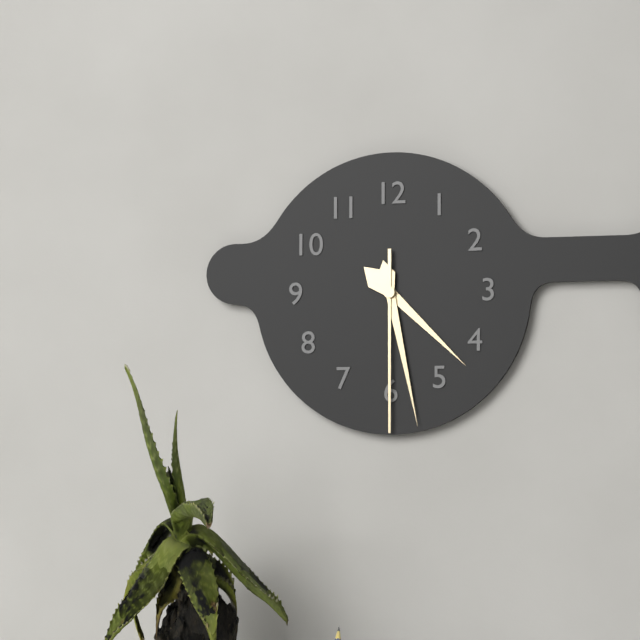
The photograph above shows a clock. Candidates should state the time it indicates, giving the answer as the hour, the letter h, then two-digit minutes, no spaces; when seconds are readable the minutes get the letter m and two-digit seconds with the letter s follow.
4h28m30s
